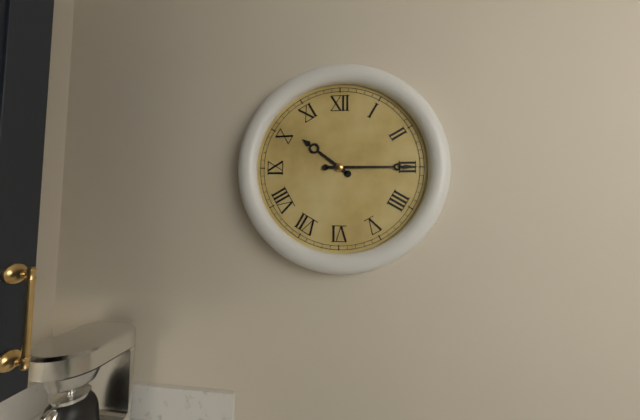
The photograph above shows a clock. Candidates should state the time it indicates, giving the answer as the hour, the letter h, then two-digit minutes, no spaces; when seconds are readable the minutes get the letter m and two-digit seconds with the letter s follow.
10h15
